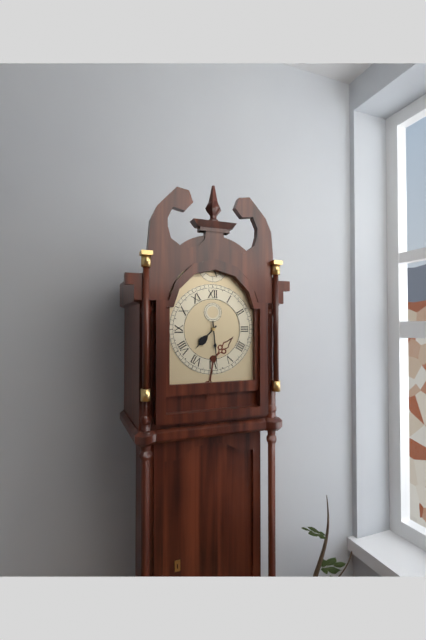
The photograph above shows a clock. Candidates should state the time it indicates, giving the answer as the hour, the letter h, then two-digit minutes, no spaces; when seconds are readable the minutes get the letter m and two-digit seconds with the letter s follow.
7h29
